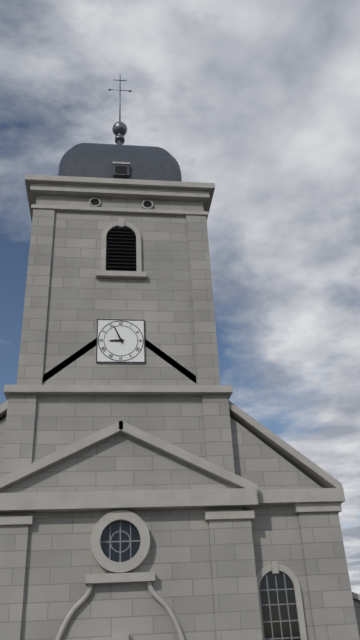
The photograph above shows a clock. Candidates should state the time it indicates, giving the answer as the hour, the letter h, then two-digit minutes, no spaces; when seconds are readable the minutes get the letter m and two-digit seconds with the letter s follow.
8h56
